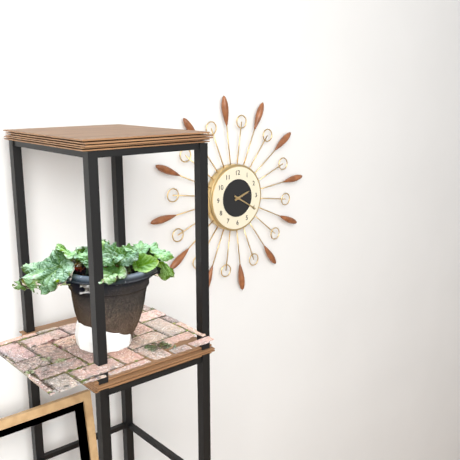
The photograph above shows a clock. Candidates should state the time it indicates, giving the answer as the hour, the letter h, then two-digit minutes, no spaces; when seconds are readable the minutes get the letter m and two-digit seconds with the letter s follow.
2h20
